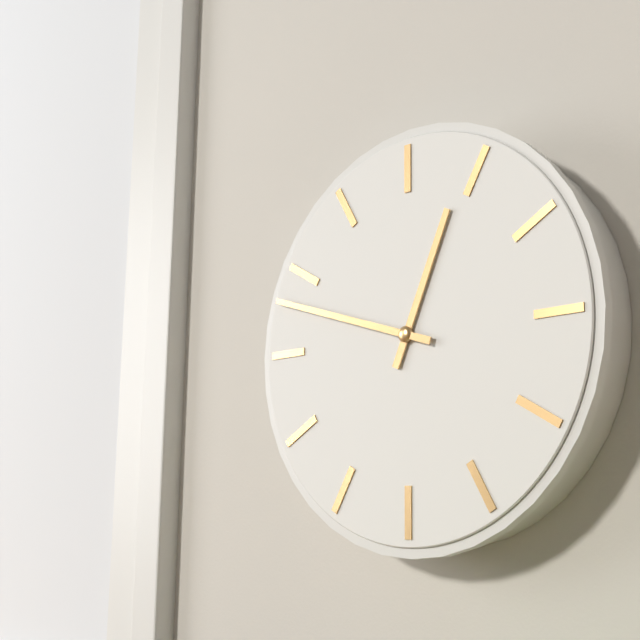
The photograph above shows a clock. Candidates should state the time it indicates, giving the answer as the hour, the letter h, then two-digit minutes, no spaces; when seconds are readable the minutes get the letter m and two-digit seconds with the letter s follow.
12h48
